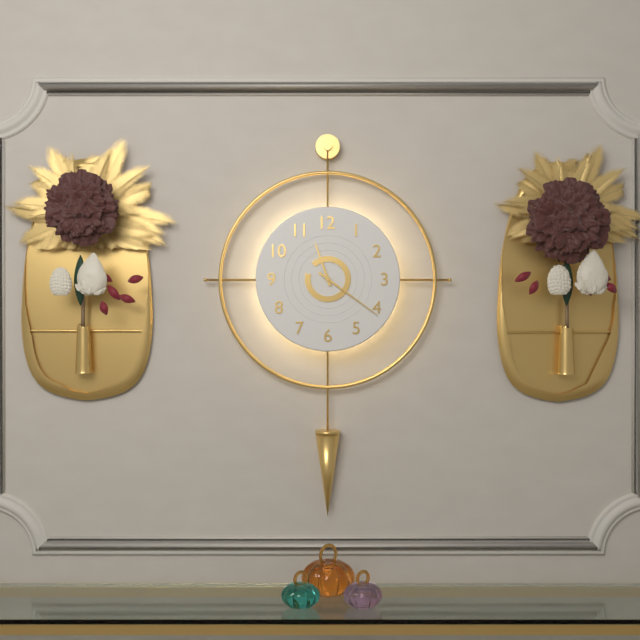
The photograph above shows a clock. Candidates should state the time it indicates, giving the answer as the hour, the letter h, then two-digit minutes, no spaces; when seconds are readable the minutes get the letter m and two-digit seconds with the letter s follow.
11h21
